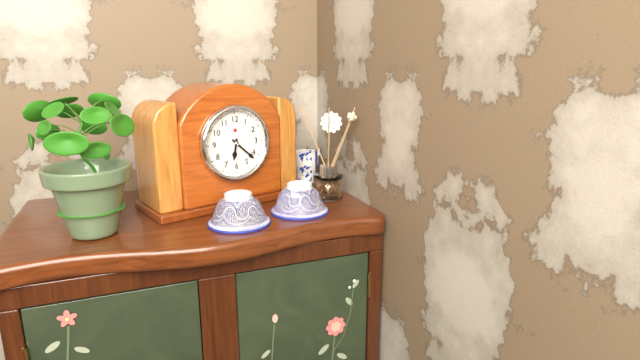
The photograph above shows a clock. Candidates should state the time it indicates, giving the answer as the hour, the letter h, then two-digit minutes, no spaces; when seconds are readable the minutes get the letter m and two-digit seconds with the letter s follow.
6h22
